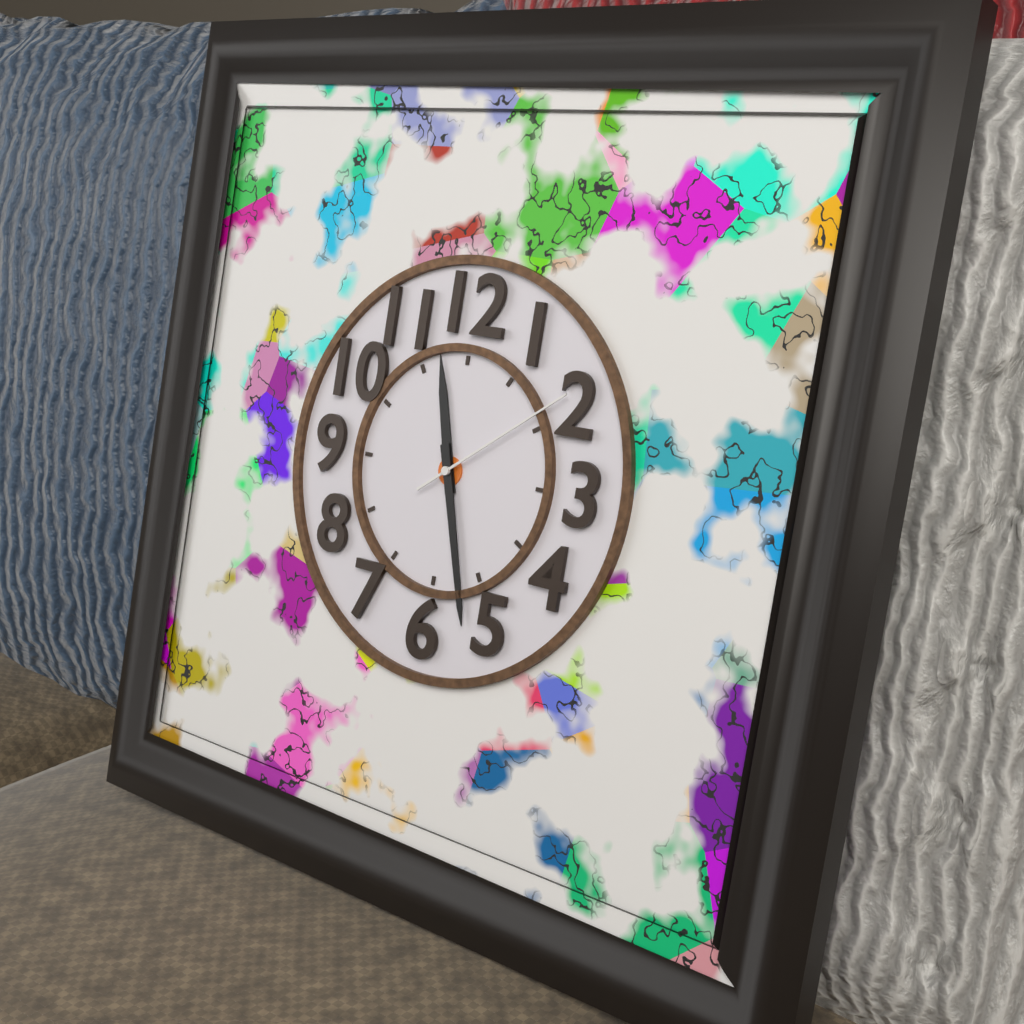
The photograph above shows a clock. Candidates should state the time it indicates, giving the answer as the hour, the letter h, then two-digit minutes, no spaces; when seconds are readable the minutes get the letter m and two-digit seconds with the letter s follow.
11h27m09s
